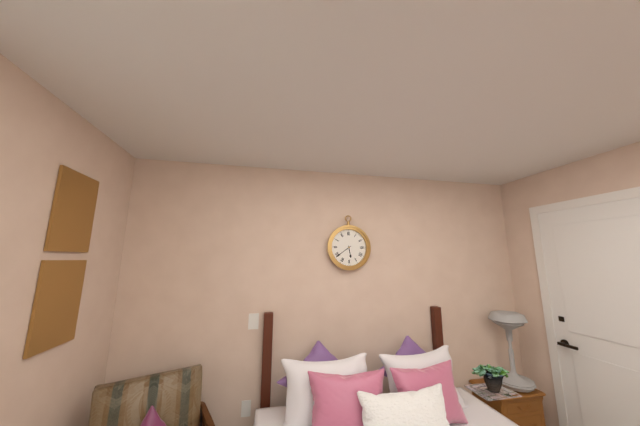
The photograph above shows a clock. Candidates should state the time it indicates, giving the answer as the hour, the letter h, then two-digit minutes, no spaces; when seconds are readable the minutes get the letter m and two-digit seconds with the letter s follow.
5h39
